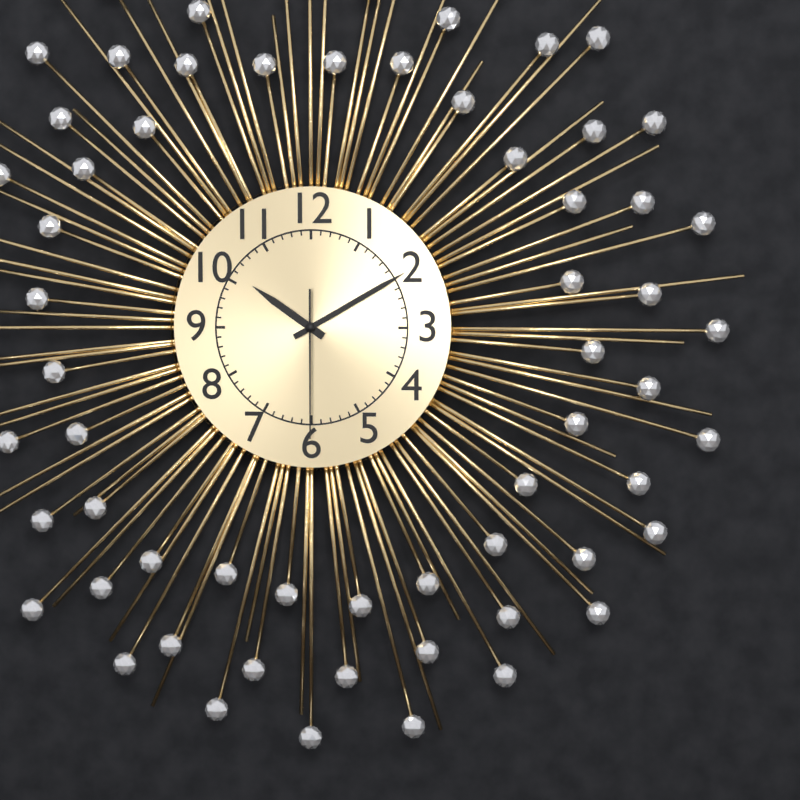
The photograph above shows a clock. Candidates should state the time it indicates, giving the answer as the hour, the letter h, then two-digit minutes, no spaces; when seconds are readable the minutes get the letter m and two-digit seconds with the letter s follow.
10h10m30s
